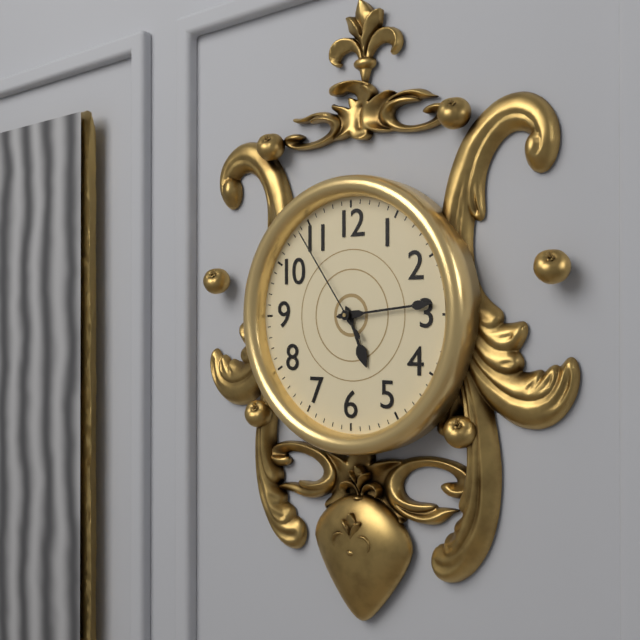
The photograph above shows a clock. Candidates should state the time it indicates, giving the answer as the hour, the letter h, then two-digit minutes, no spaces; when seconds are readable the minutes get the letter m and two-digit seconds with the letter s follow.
5h14m54s
